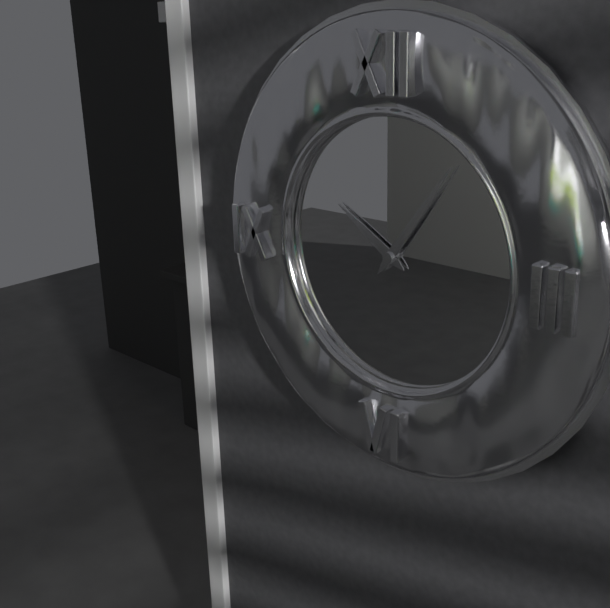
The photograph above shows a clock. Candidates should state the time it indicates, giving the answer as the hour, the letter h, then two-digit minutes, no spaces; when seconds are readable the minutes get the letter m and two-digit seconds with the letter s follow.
10h06
